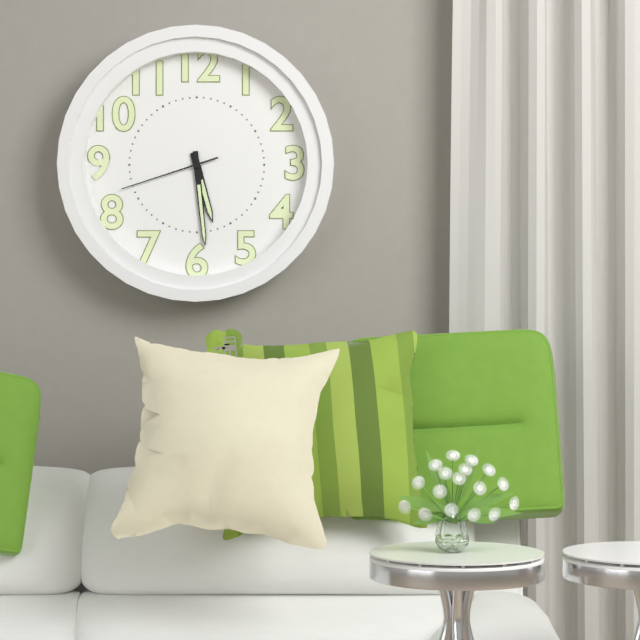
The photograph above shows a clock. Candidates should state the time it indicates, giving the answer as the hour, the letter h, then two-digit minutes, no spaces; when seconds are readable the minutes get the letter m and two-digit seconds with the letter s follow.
5h29m42s
